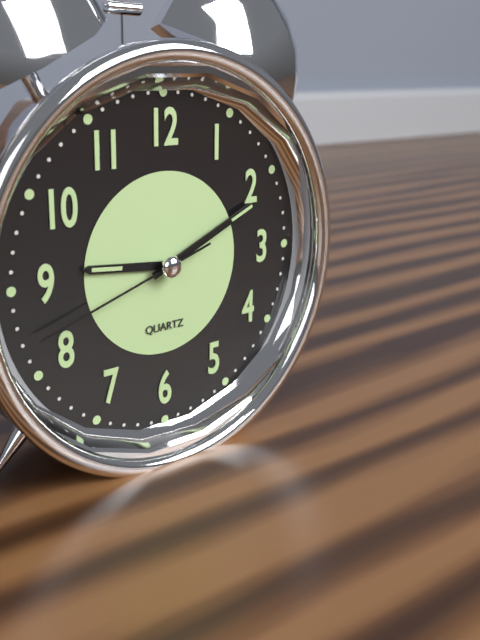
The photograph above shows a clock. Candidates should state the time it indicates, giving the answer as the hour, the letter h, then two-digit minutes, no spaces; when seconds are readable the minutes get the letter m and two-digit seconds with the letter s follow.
9h11m42s
